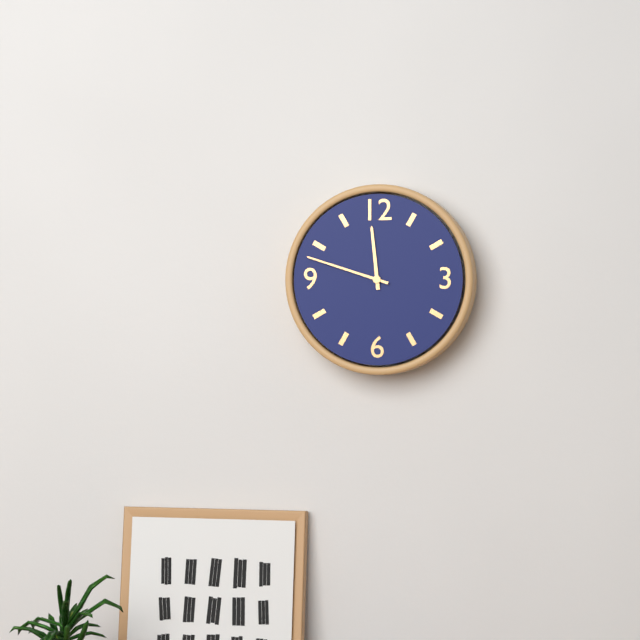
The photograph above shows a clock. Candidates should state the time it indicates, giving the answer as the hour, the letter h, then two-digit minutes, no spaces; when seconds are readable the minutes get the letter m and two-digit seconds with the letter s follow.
11h48
